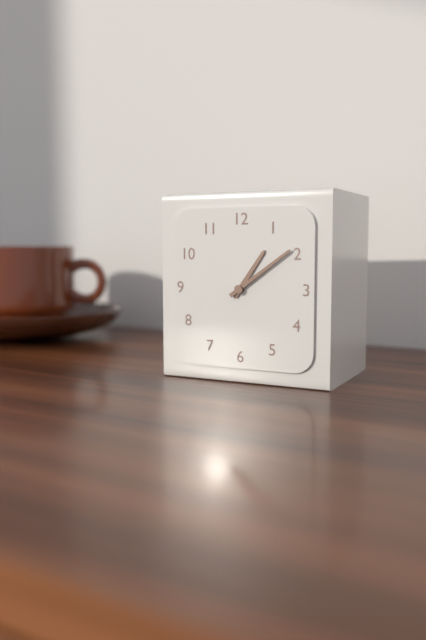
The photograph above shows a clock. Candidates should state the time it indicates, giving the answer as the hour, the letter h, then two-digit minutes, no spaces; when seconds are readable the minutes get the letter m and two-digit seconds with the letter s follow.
1h09
